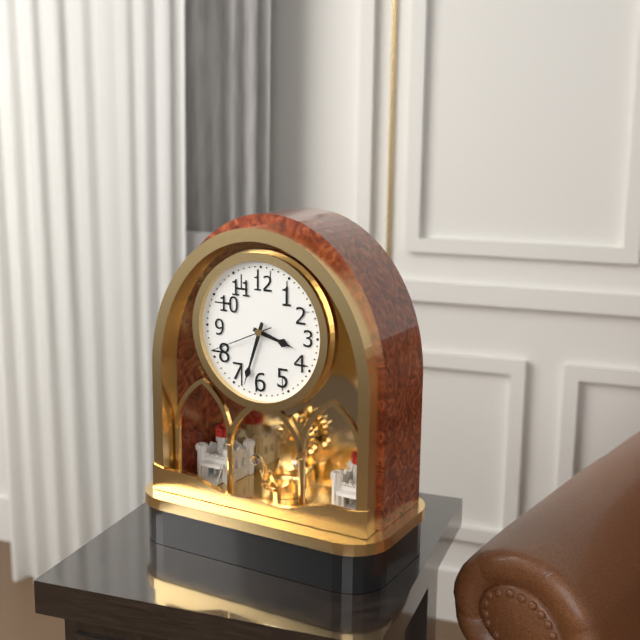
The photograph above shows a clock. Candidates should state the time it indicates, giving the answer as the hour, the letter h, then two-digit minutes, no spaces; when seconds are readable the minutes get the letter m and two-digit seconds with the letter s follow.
3h33m41s
